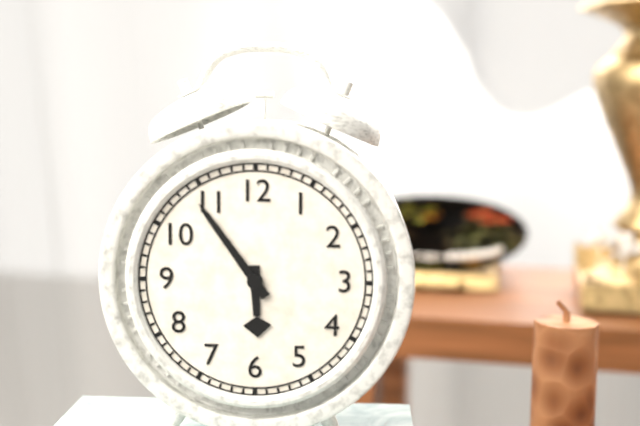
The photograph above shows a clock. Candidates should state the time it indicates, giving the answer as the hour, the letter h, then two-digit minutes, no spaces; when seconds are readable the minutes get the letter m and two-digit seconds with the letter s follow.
5h54
